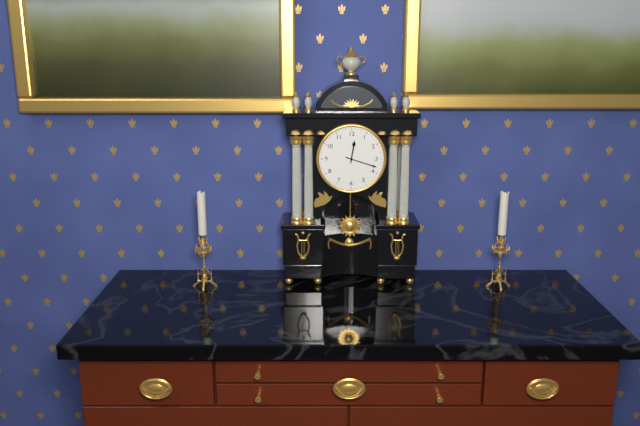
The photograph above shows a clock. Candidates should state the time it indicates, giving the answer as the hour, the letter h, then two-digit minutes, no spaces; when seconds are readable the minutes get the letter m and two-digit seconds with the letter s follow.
12h18
